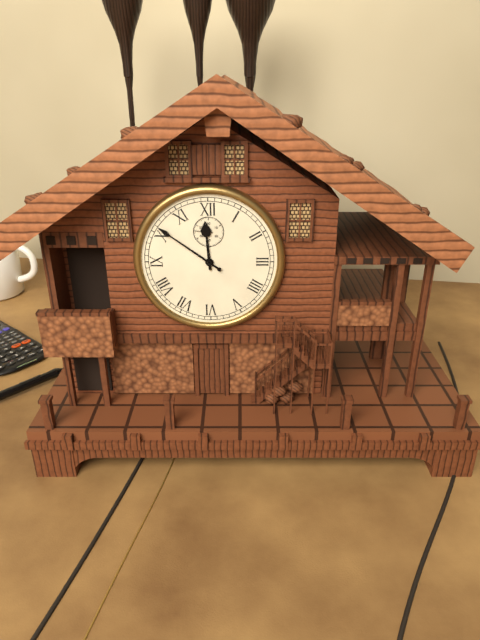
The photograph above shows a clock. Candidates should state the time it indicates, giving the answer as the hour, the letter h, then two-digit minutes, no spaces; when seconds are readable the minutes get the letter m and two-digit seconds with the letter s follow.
11h51
